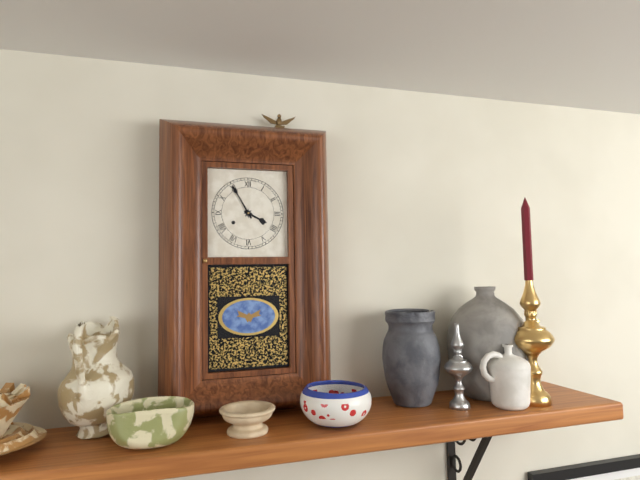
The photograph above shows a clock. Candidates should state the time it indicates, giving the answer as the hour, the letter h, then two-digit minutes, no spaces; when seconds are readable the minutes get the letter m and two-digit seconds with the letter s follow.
3h55
